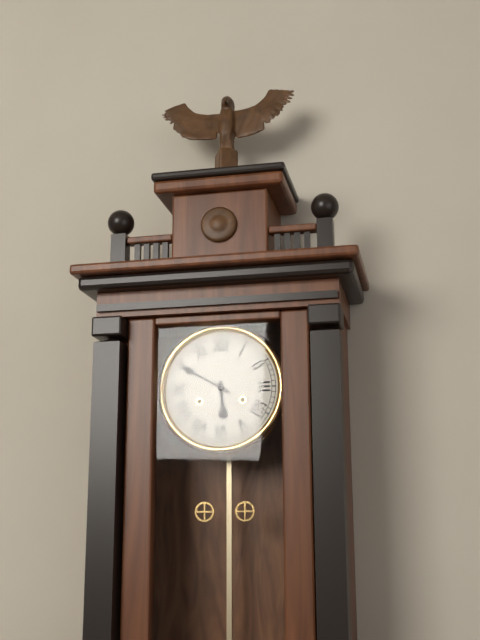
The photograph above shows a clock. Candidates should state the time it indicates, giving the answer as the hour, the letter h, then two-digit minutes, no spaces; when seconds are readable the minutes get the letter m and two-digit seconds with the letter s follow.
5h50
